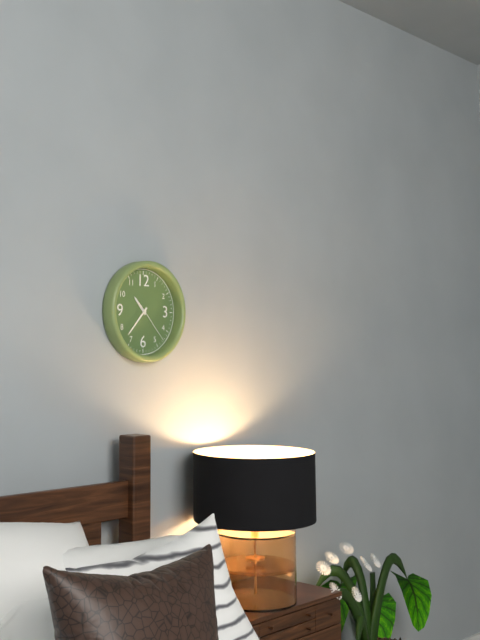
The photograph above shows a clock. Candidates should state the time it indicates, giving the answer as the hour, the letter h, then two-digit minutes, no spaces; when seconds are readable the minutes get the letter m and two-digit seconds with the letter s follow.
10h37
